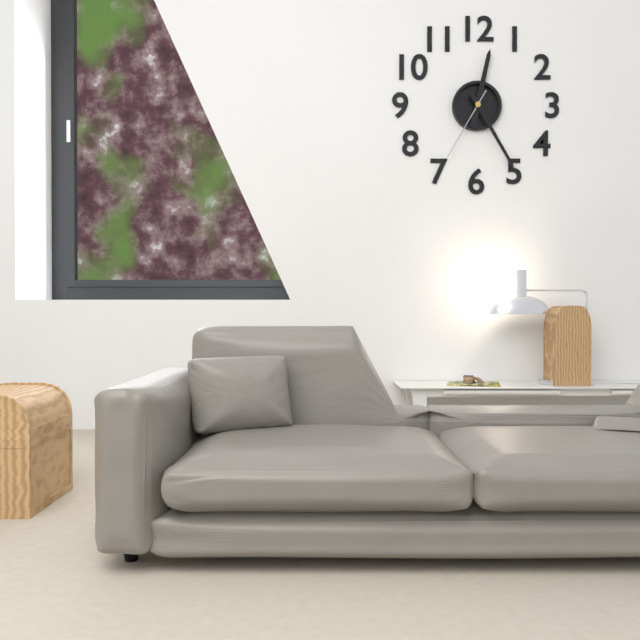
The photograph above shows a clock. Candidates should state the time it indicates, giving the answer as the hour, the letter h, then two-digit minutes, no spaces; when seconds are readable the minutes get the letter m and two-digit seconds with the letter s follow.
12h25m35s
